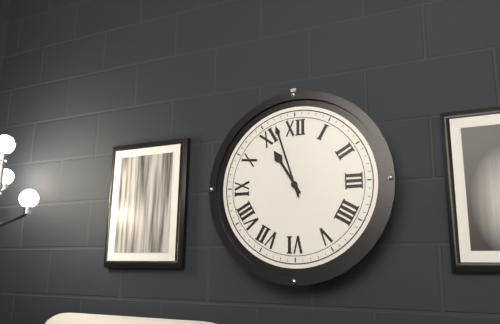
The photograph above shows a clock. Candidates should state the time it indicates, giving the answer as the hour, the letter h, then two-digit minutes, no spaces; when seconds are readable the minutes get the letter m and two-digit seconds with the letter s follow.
10h57
